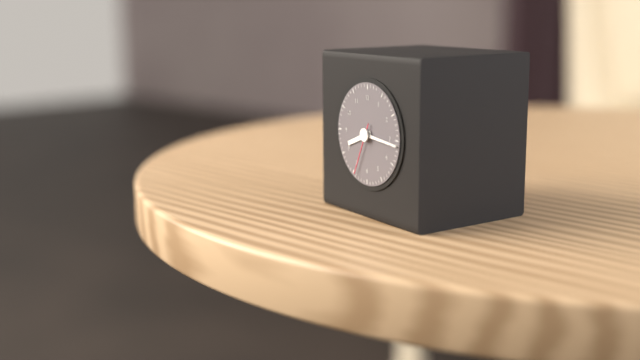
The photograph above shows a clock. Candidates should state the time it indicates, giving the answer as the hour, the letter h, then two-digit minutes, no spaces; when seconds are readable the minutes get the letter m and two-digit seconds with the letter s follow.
8h16m34s
